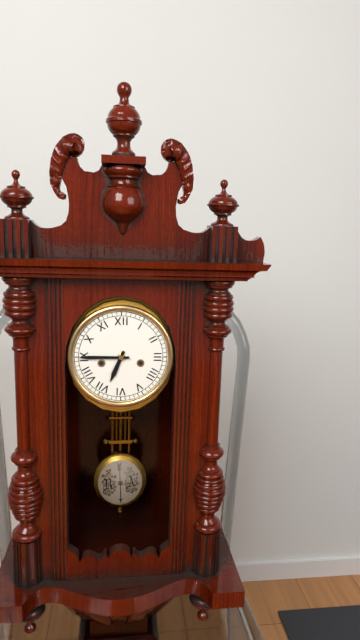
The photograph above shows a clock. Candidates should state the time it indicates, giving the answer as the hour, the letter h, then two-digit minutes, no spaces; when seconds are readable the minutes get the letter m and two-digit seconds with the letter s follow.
6h45
